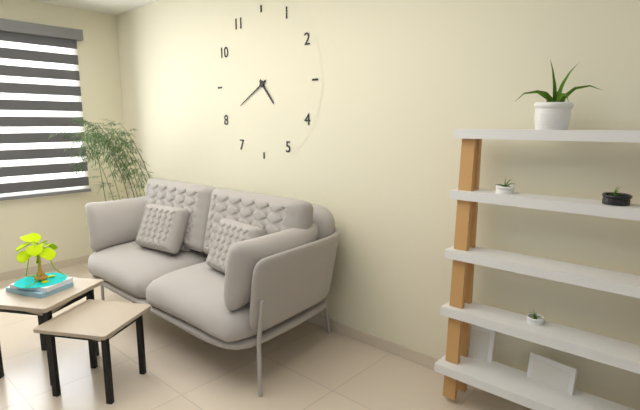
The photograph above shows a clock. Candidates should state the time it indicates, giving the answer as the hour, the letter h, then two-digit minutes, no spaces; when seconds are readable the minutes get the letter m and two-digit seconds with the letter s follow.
4h40
